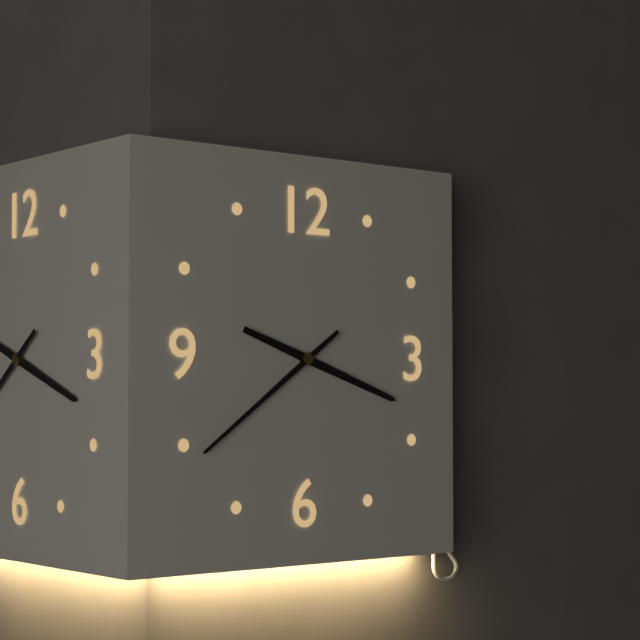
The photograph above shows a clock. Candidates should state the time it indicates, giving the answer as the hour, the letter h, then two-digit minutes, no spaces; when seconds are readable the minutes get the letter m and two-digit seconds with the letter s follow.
3h39
